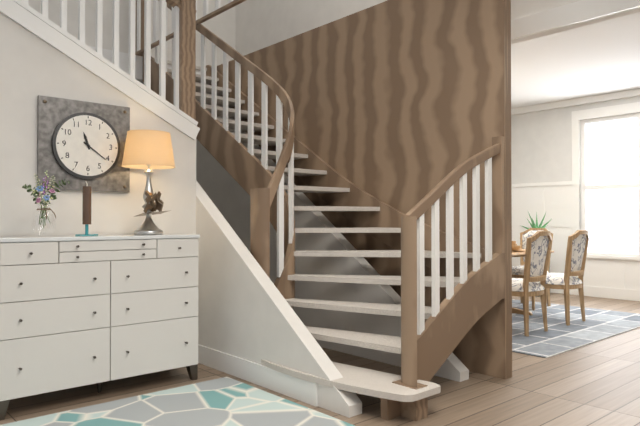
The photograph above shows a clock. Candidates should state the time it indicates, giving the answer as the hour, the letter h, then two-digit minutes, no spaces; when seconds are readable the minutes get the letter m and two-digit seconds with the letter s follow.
11h21
